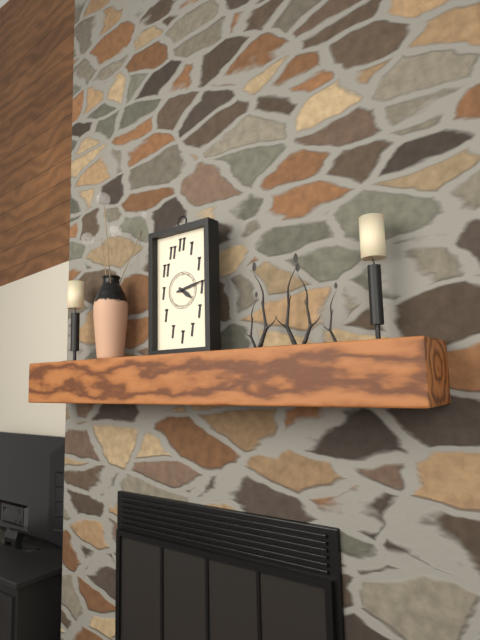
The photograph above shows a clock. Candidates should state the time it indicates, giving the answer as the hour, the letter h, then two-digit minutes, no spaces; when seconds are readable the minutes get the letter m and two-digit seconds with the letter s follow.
4h13
